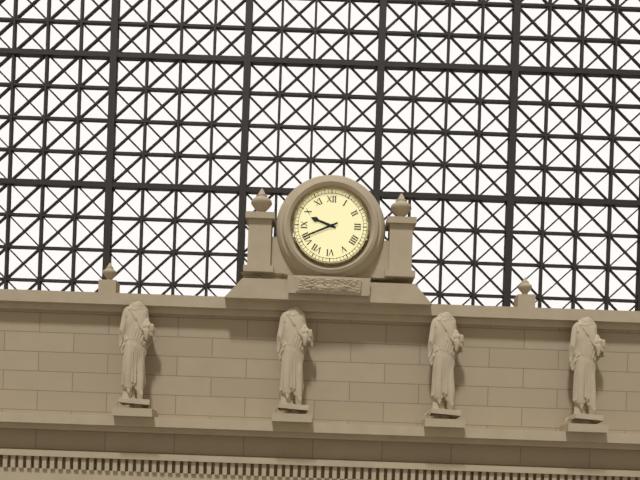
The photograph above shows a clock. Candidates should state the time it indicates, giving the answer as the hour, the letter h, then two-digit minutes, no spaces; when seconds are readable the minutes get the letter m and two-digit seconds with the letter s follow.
9h41
